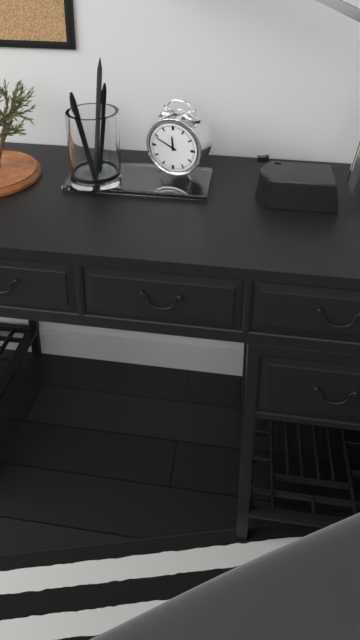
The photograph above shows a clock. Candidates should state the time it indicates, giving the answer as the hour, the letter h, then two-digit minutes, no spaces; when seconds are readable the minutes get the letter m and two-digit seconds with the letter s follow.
11h49
